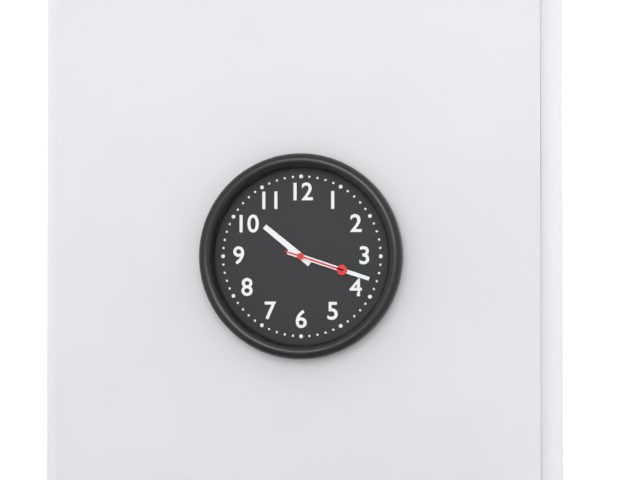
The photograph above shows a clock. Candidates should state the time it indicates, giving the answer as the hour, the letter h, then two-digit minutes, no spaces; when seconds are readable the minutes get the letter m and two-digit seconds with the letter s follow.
10h18m18s
